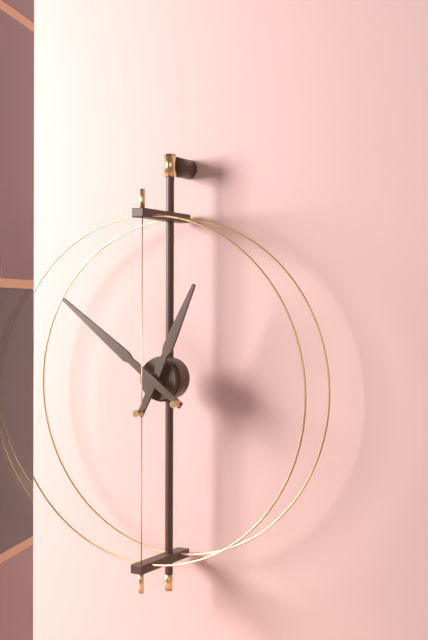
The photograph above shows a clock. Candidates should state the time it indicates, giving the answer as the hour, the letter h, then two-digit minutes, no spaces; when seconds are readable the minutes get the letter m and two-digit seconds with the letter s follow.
12h51
